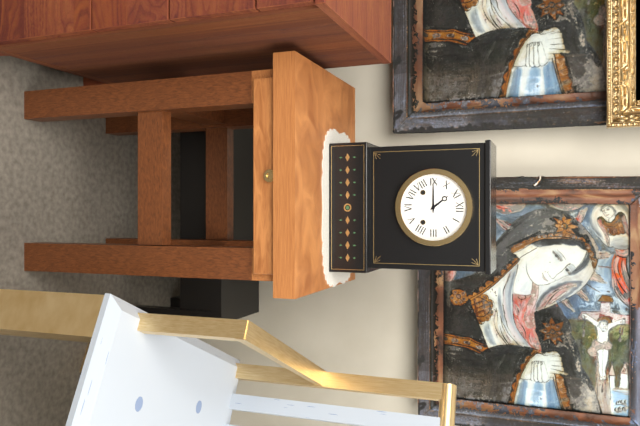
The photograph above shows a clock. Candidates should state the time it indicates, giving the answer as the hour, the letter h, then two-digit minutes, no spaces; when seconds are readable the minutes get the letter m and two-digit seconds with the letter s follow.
10h45
